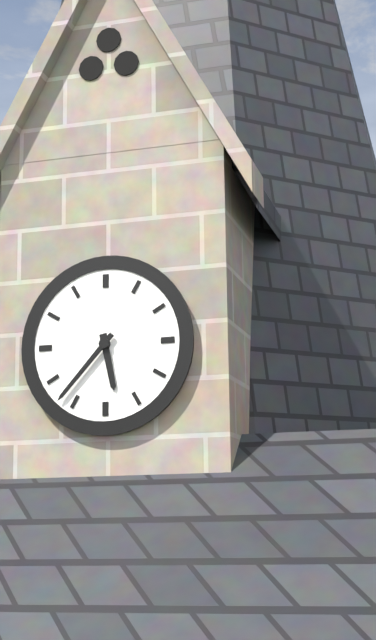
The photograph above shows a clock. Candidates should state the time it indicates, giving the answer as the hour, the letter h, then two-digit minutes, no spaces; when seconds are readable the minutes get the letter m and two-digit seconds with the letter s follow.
5h37
